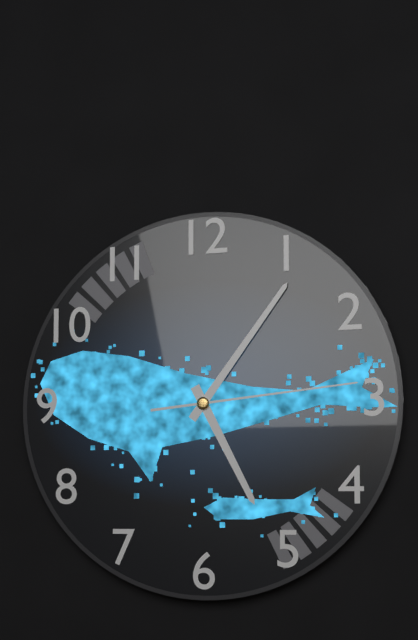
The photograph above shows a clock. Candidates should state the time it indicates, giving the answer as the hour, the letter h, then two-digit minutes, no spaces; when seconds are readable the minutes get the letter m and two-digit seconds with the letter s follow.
5h06m14s
